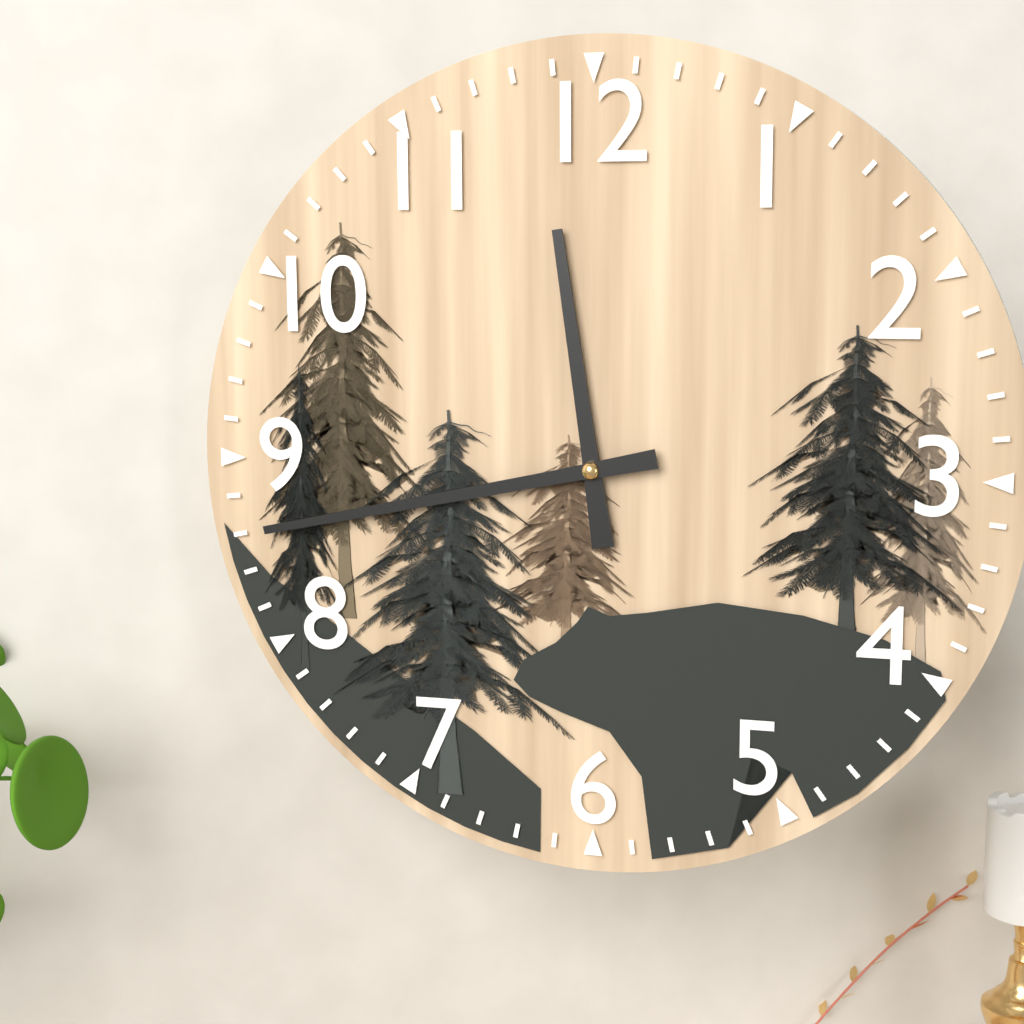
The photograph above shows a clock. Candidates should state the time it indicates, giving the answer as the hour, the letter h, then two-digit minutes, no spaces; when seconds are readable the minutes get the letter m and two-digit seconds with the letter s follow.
11h43
